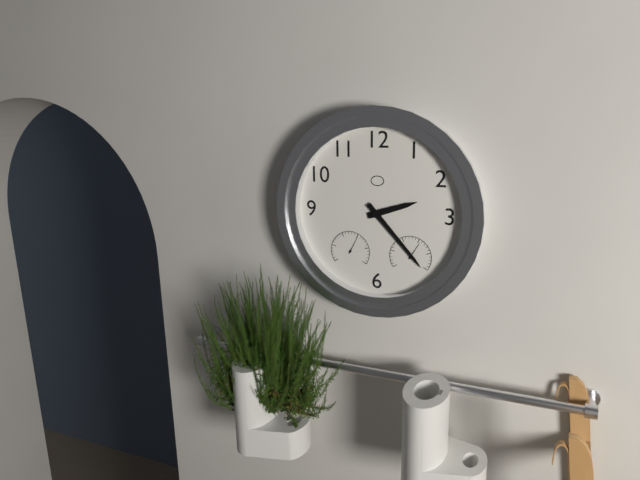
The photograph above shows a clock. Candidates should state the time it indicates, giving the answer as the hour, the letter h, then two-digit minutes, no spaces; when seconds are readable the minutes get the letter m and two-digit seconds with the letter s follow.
2h23
